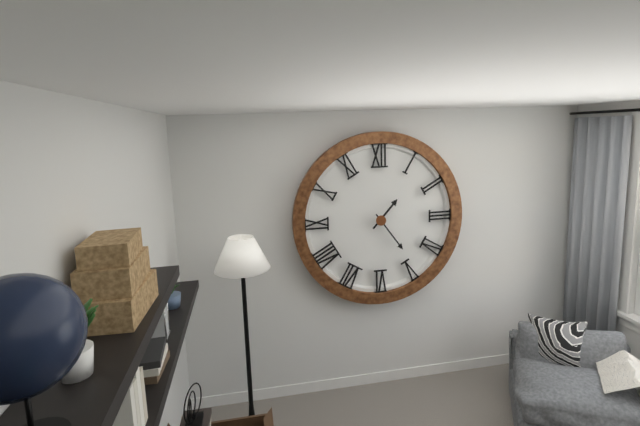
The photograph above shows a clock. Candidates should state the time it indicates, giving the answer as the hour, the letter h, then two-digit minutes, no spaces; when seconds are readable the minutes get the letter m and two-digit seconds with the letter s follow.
1h24
